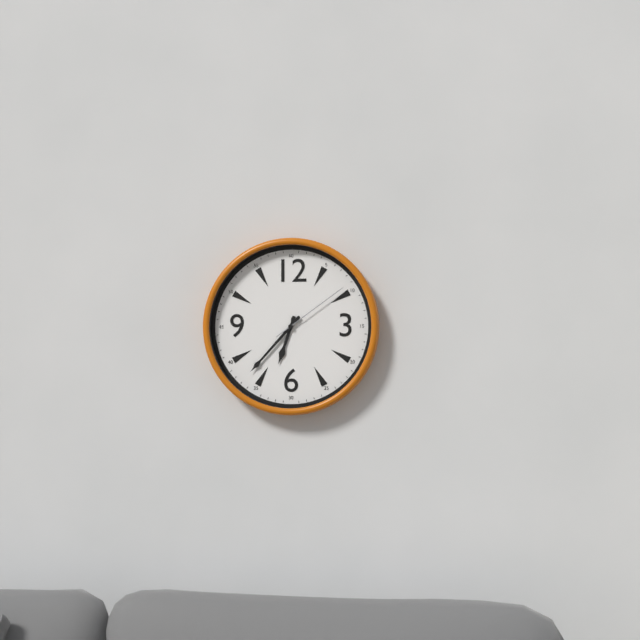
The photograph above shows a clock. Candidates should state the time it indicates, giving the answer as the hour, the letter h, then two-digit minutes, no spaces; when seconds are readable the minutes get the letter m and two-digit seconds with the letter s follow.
6h37m09s
